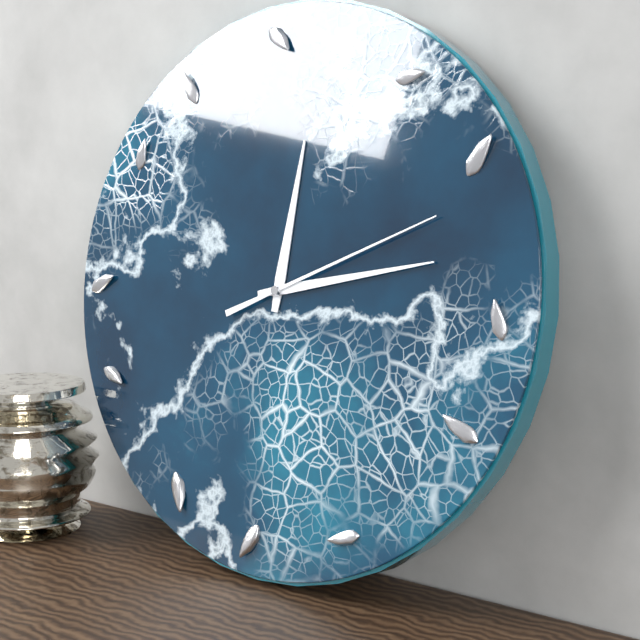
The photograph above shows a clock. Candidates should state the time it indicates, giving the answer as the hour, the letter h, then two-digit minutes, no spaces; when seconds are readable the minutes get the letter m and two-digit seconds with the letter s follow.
12h13m11s
